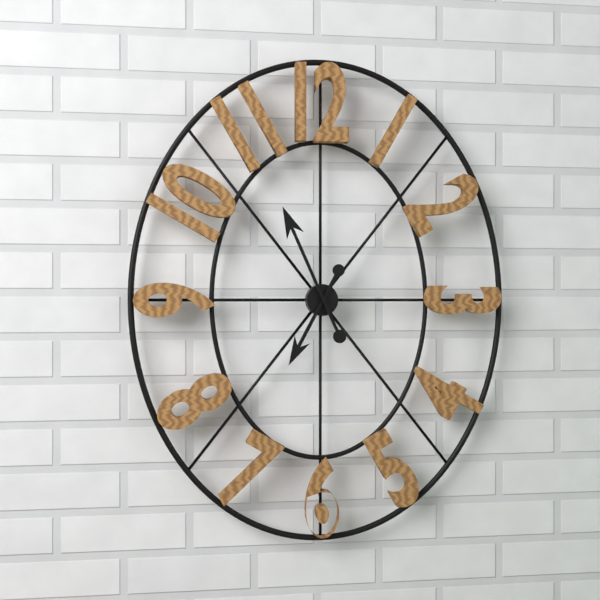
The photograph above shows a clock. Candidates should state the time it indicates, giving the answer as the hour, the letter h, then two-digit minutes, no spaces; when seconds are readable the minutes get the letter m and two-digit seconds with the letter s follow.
6h56
